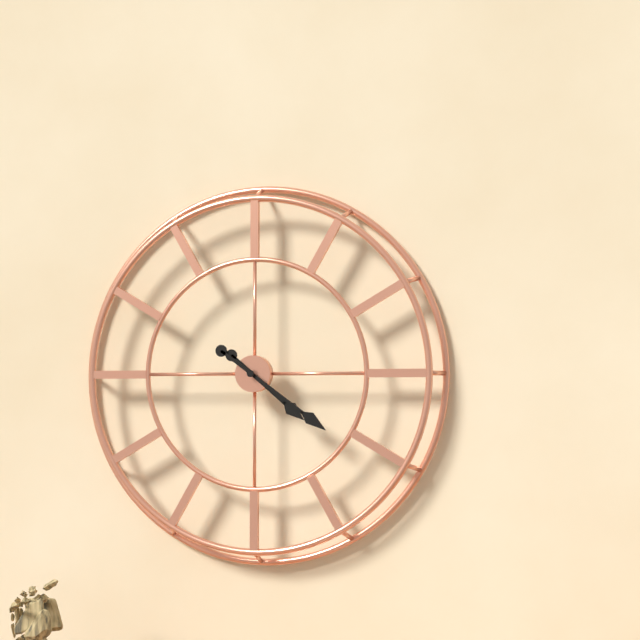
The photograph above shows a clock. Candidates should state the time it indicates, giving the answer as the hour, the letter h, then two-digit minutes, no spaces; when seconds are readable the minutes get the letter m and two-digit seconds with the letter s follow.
4h21
